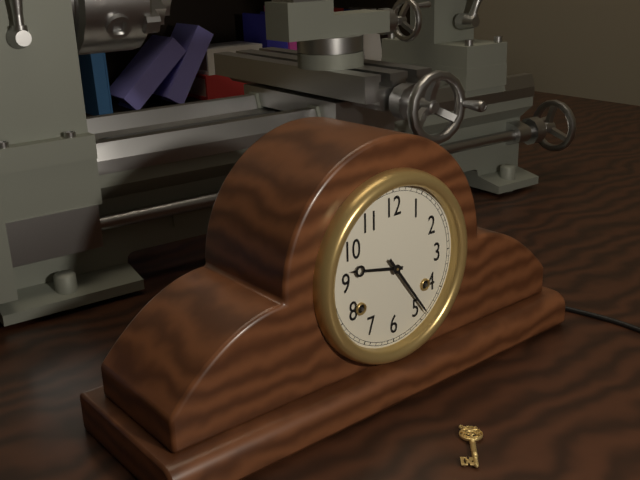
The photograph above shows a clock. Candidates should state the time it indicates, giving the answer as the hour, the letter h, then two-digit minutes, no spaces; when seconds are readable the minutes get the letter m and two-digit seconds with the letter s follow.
9h24
